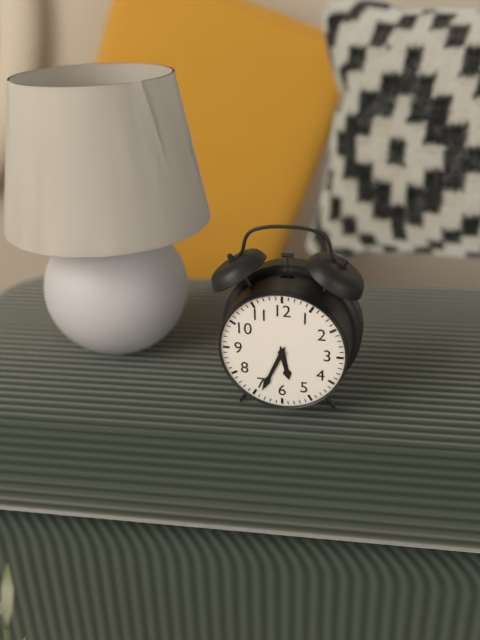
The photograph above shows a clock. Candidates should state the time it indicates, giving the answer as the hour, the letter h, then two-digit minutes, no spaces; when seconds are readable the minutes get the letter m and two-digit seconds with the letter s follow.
5h34
